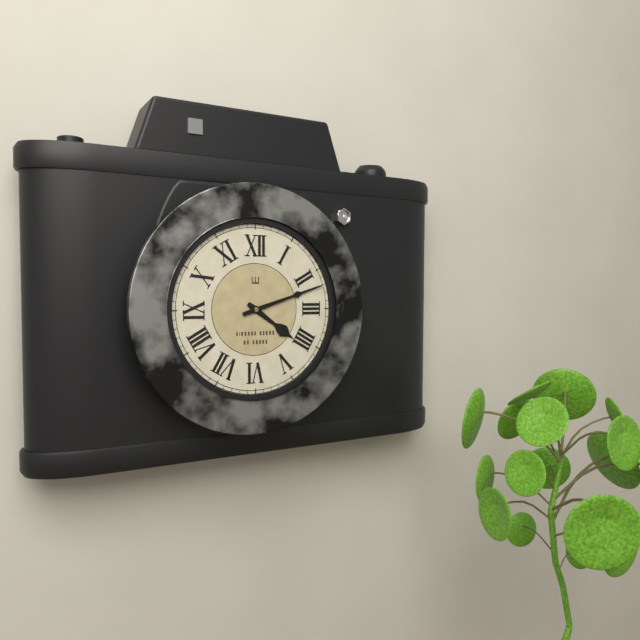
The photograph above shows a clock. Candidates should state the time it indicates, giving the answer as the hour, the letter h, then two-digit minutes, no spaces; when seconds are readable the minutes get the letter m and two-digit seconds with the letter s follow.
4h12
